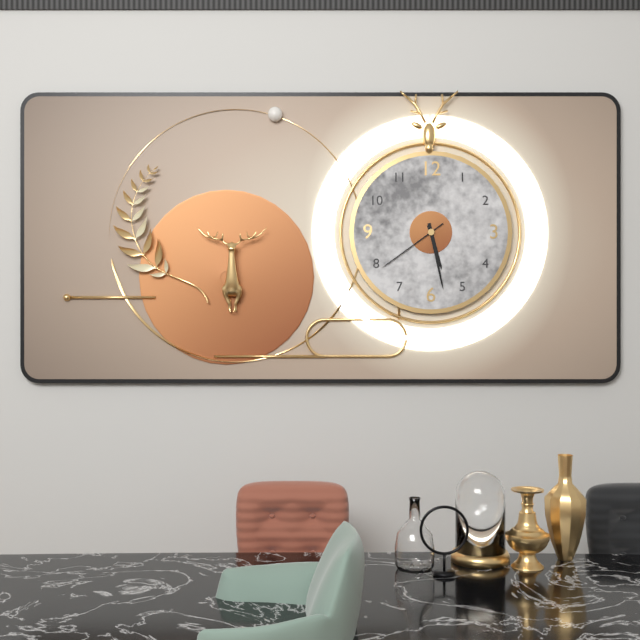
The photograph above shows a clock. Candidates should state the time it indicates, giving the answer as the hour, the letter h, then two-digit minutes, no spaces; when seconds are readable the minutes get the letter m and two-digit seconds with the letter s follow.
5h28m39s
